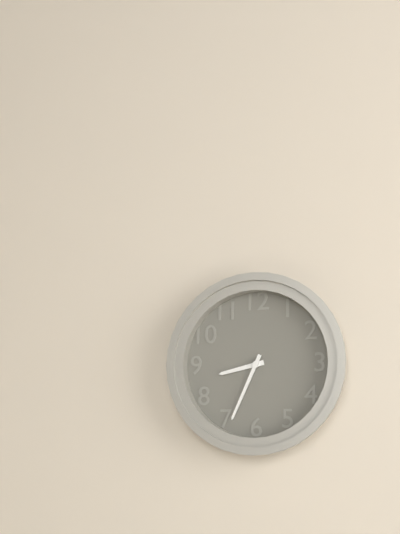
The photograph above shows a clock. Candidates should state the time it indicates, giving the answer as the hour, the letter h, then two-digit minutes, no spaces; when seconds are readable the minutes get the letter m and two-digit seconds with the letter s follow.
8h34
